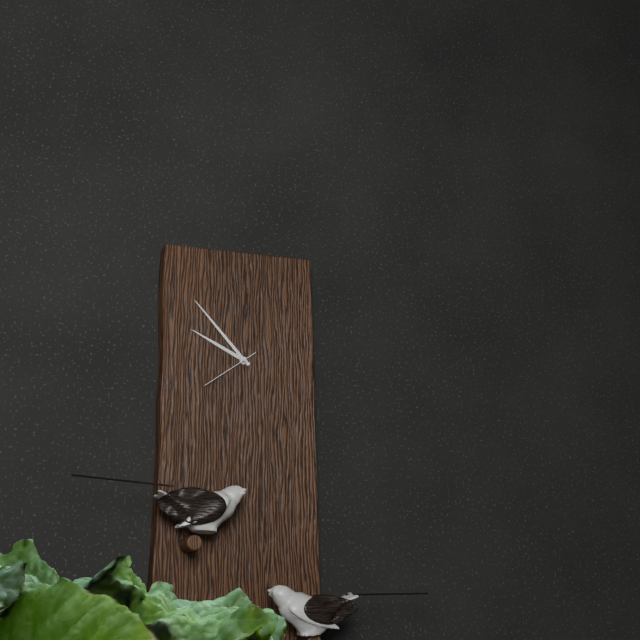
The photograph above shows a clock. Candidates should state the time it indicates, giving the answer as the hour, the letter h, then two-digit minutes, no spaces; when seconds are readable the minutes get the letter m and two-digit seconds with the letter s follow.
9h53m39s
